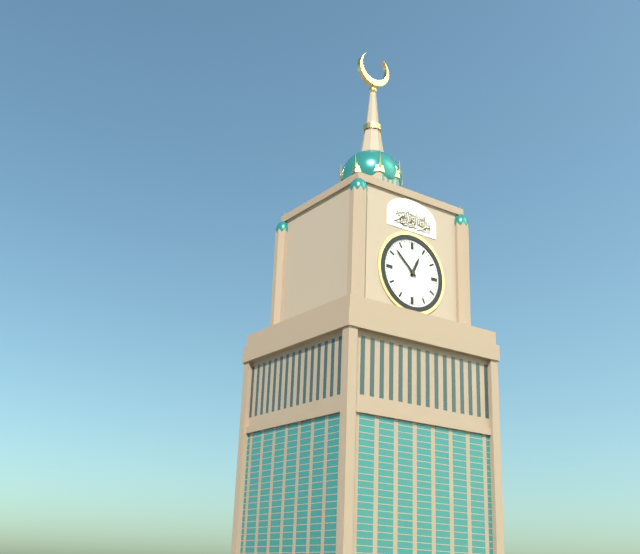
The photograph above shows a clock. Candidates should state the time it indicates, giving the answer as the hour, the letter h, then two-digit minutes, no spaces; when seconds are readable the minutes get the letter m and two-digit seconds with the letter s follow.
12h52
